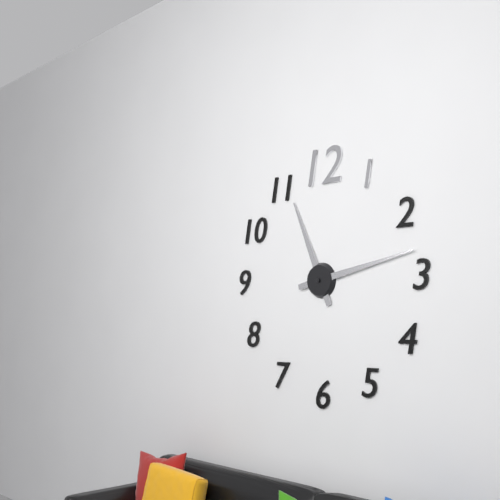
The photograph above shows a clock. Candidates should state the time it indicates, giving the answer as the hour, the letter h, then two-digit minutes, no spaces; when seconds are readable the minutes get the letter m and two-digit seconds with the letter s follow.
11h13
